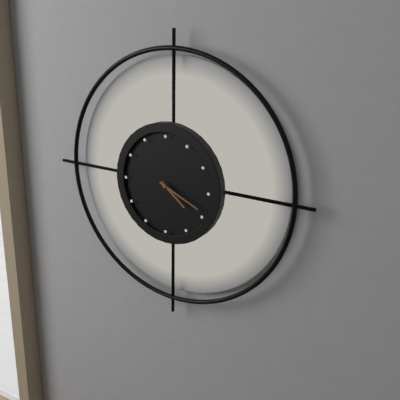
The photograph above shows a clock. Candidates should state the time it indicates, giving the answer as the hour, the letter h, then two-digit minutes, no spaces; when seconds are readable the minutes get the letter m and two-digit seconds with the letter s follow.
4h19
